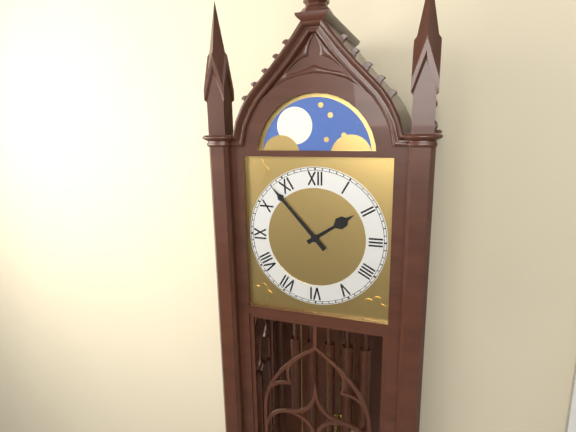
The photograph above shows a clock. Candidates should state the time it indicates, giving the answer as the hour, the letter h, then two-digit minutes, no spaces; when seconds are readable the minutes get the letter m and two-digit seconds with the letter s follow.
1h53
